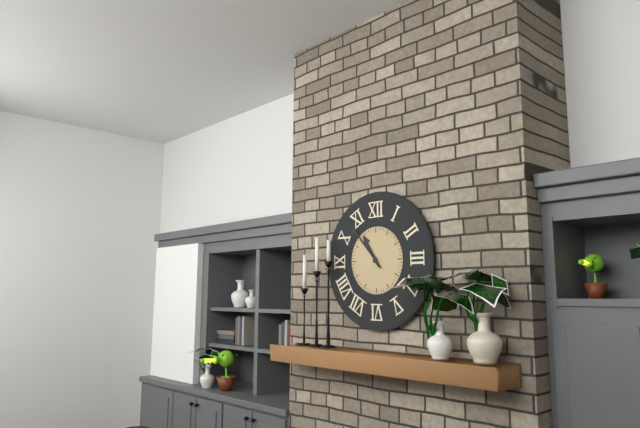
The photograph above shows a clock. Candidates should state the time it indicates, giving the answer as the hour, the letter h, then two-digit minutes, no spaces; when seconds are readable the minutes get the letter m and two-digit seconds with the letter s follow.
10h53
